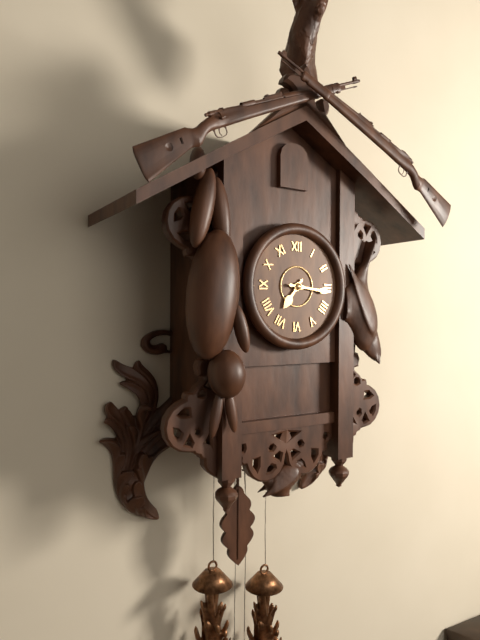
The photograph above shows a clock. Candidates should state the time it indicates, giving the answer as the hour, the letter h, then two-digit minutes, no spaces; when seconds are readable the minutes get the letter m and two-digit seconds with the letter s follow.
7h16
